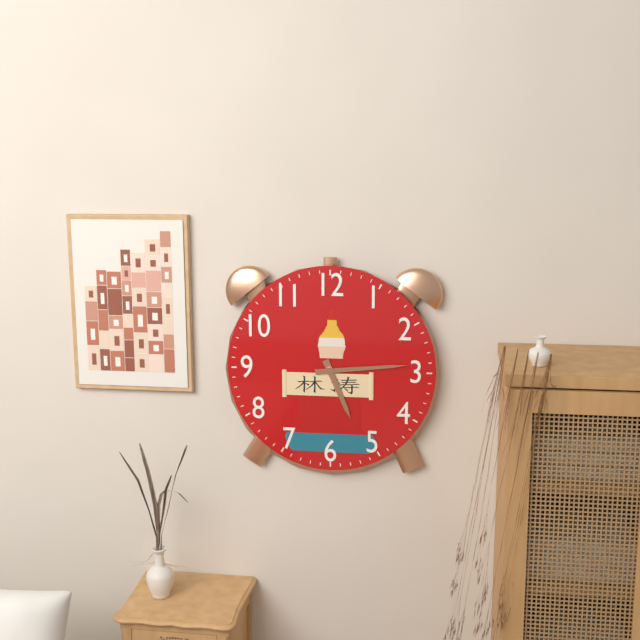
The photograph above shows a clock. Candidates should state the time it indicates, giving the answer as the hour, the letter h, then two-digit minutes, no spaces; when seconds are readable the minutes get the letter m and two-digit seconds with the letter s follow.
5h14
